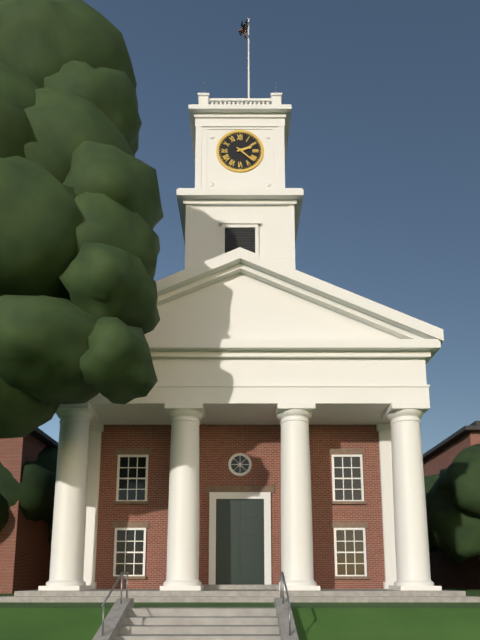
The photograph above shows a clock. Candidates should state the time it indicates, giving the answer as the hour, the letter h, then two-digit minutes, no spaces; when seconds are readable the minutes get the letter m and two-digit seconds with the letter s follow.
2h22
